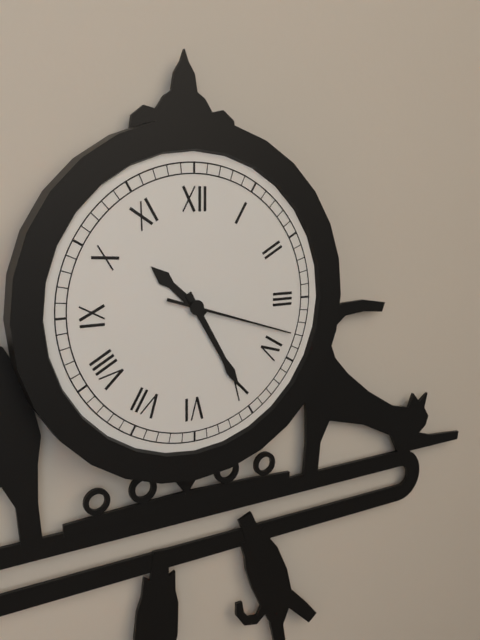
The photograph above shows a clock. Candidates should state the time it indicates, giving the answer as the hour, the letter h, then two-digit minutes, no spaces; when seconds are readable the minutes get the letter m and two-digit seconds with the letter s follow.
10h25m18s
